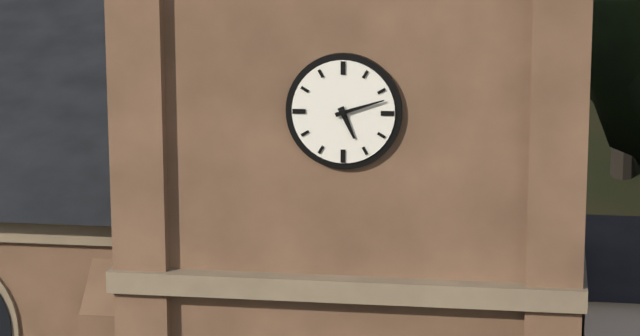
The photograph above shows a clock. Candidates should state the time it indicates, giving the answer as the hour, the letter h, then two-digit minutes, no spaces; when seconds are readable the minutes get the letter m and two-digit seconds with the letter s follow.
5h12
